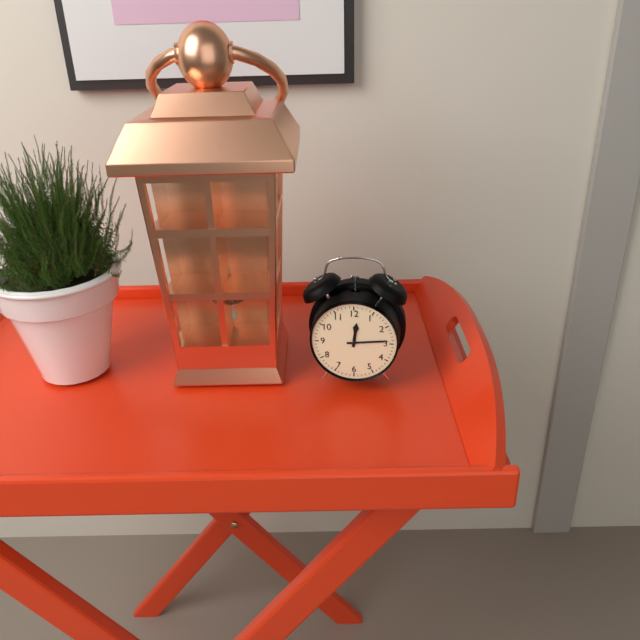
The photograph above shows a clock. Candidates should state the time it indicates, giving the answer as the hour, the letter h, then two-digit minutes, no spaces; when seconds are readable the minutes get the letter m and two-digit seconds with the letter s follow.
12h14
